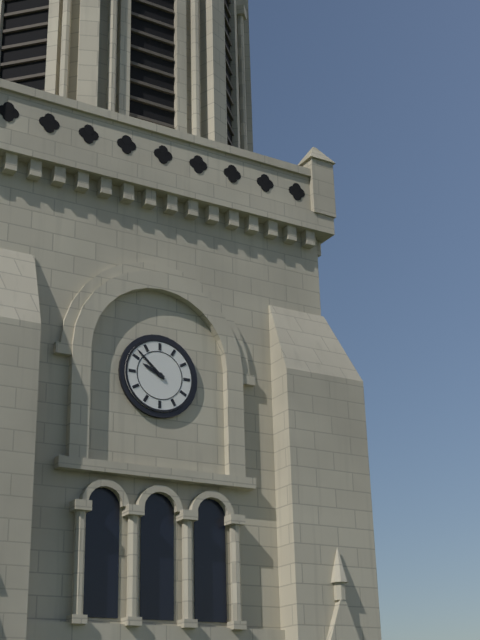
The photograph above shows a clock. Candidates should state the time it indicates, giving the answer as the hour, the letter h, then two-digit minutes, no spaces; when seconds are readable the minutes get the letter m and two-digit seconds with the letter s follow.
9h52
